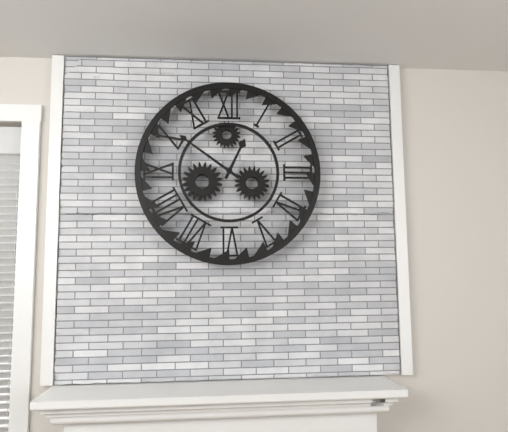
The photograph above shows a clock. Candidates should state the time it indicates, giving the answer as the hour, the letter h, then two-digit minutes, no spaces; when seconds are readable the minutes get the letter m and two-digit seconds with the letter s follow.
12h51
